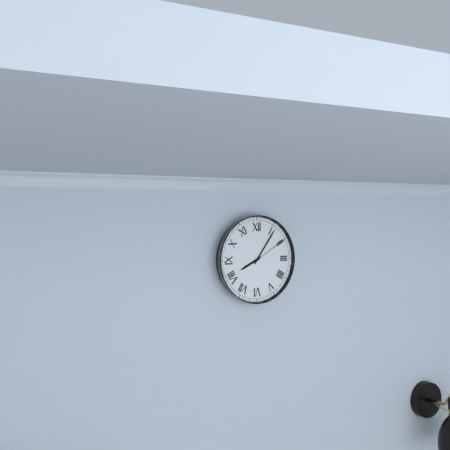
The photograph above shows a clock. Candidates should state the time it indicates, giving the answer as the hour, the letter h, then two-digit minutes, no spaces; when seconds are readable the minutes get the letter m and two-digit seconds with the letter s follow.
8h06
